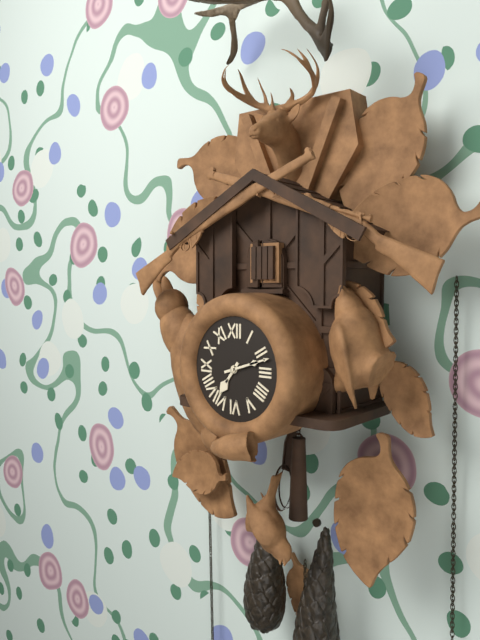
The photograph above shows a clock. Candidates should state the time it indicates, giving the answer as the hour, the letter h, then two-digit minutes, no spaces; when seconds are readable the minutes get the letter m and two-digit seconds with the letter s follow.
7h12
